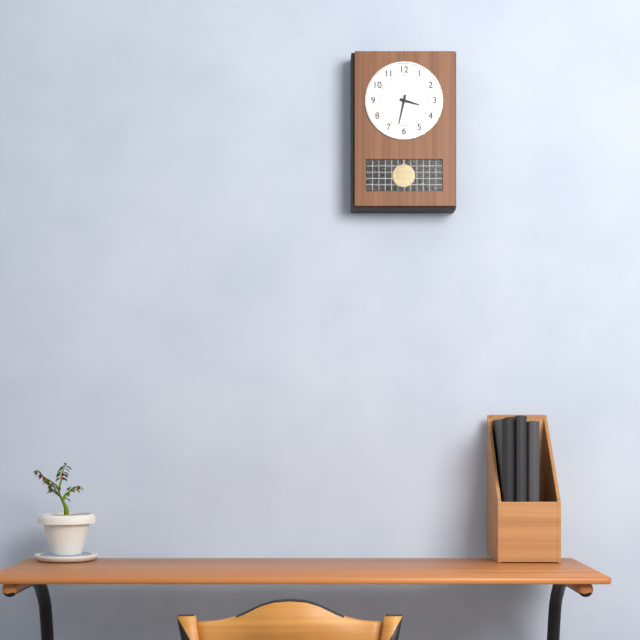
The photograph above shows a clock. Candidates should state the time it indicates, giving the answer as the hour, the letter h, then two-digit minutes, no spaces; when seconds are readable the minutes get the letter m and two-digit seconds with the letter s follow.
3h32
